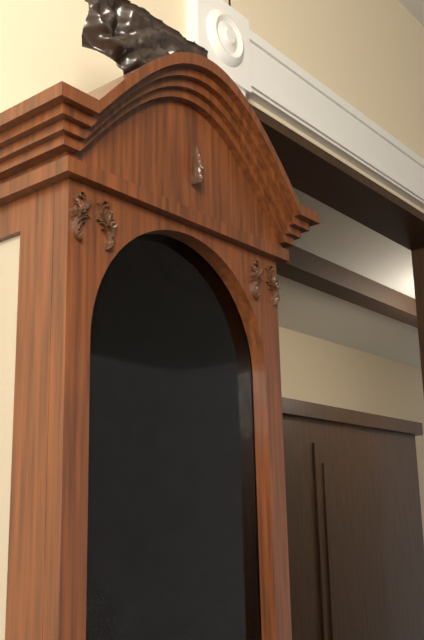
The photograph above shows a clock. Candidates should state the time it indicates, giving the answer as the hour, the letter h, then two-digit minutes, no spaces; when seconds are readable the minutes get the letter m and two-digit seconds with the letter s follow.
8h22
